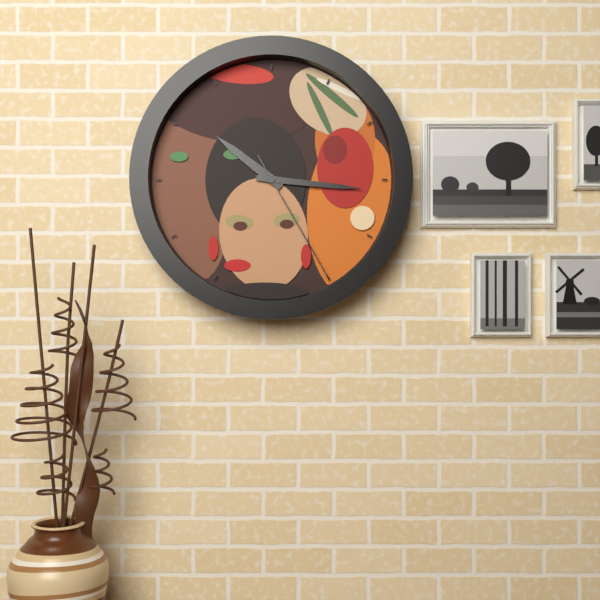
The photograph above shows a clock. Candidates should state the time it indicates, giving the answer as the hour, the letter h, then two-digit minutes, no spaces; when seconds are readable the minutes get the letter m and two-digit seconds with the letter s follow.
10h16m25s
